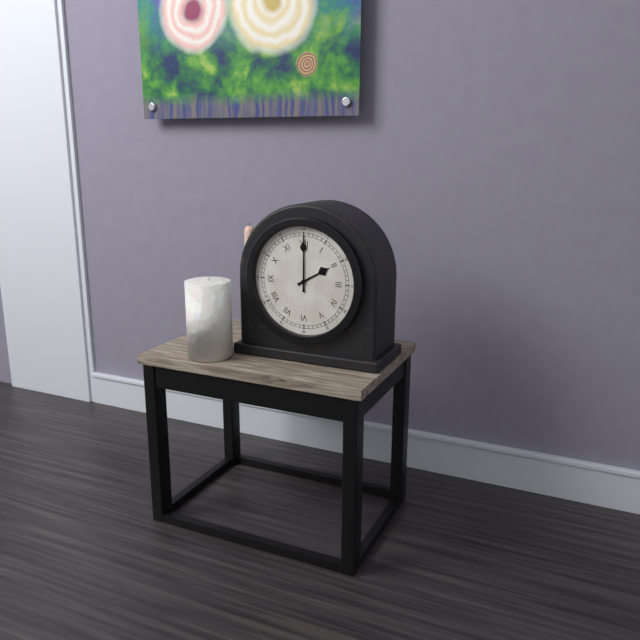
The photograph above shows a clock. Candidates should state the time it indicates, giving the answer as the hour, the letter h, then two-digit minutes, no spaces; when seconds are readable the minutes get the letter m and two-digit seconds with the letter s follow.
2h00
